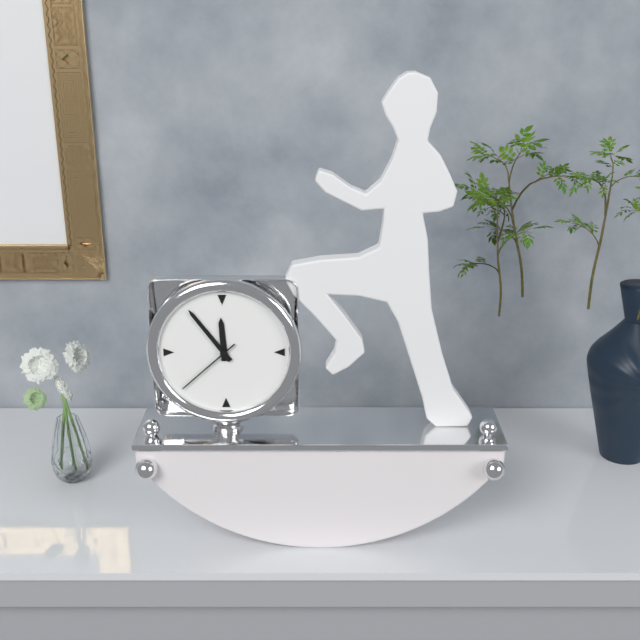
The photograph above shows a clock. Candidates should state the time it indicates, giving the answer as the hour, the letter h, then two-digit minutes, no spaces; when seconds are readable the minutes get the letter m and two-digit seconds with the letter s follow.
11h54m38s
